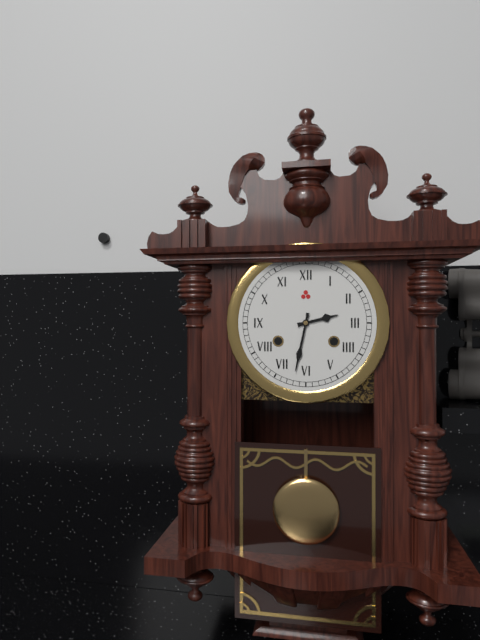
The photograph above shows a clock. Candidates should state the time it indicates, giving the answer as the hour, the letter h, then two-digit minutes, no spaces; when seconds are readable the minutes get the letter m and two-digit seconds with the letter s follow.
2h32
